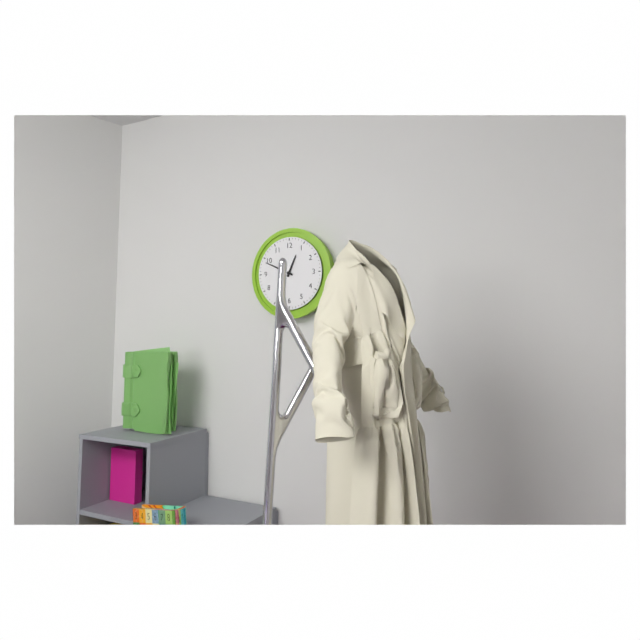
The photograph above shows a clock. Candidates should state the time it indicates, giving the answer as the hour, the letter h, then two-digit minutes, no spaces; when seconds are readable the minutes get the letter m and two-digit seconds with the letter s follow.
12h49
